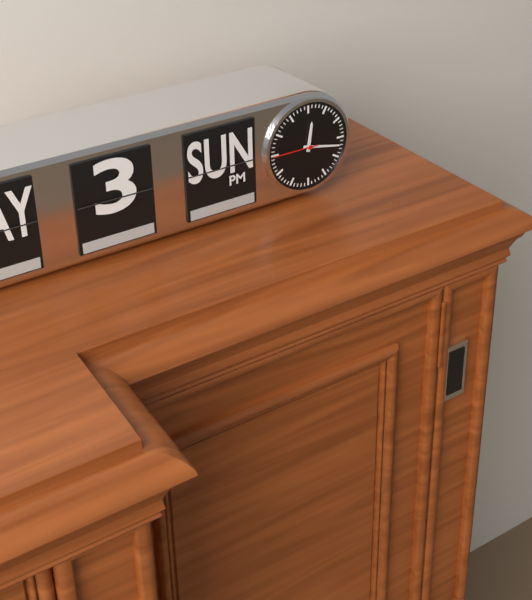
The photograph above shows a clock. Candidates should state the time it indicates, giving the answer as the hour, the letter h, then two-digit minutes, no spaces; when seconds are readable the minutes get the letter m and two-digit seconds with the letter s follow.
12h17
